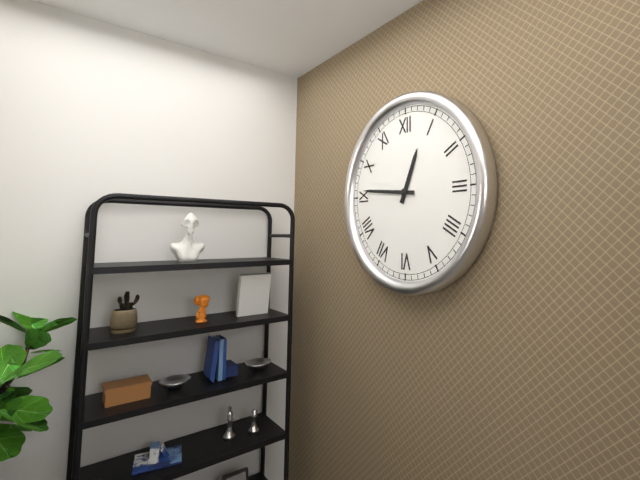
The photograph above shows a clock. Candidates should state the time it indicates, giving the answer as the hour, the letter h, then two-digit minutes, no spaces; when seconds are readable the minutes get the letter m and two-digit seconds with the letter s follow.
12h46
